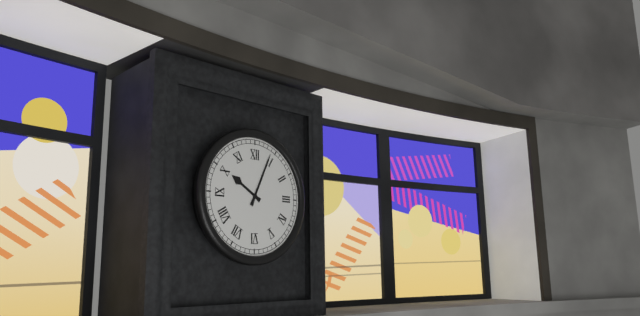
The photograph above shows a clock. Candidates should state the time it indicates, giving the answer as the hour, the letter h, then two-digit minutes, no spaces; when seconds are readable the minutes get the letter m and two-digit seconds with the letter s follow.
10h04
